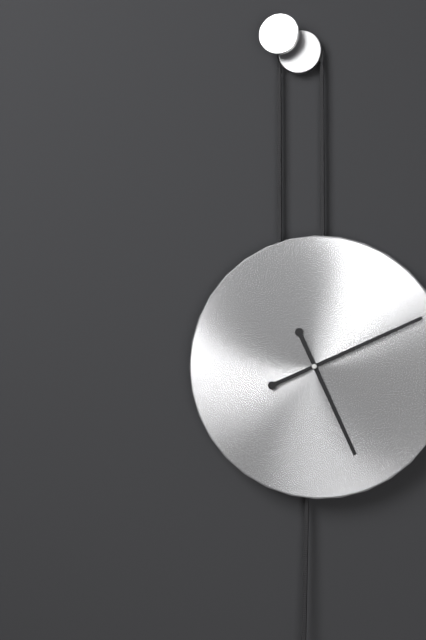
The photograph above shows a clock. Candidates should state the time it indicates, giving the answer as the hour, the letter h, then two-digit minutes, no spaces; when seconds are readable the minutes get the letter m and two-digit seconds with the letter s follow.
5h11
